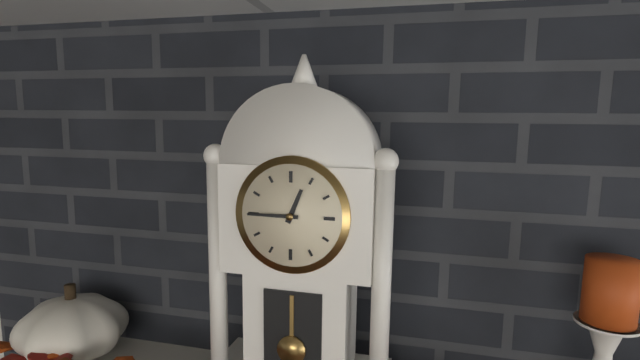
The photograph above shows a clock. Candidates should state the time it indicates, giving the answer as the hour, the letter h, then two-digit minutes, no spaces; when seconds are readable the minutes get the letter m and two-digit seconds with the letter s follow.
12h45
